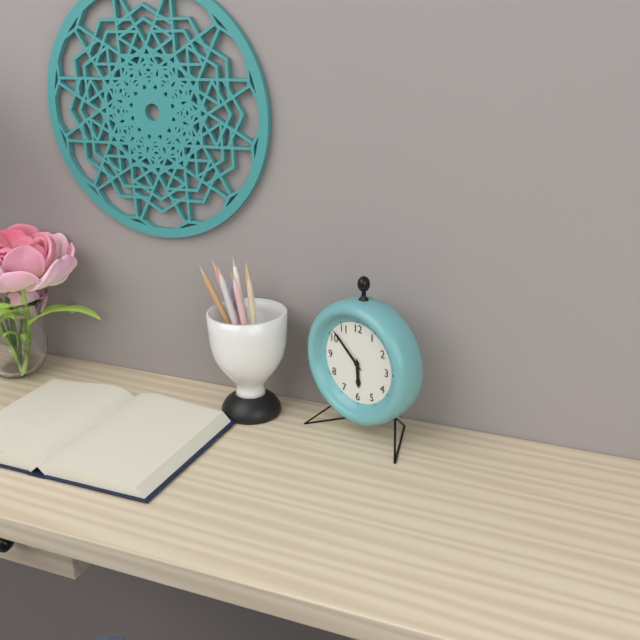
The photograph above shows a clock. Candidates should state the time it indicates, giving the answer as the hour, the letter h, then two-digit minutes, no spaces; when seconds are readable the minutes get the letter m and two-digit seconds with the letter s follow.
5h52
